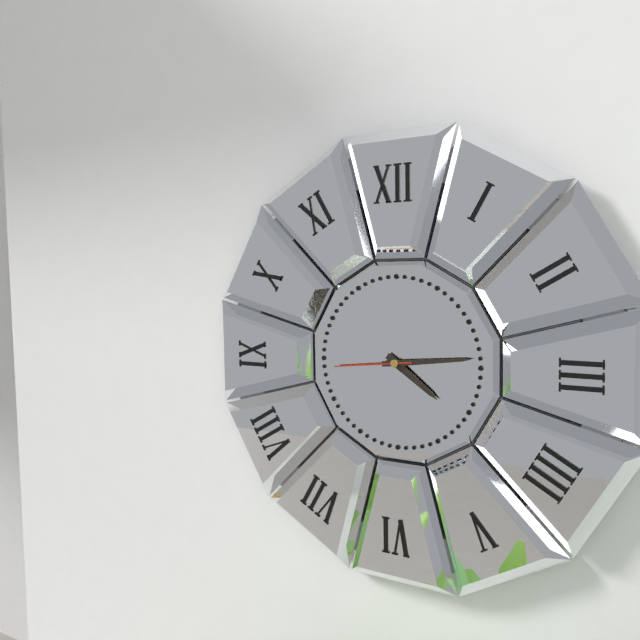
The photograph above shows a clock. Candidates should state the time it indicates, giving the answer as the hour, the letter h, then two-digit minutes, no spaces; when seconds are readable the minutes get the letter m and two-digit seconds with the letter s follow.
4h14m44s
